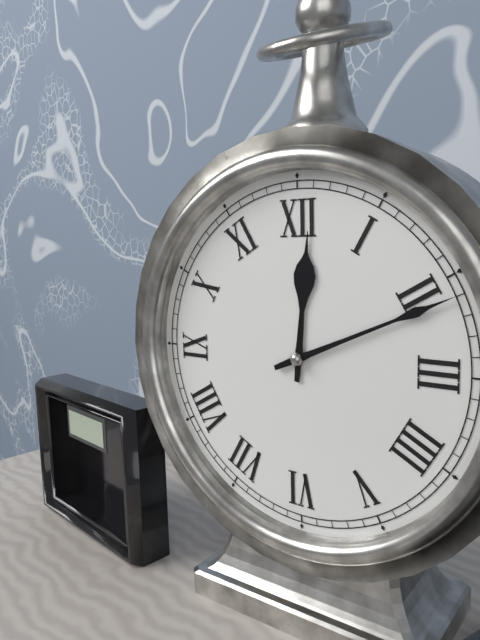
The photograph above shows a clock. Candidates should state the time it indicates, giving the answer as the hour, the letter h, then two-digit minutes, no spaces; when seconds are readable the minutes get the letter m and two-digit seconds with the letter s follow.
12h11
